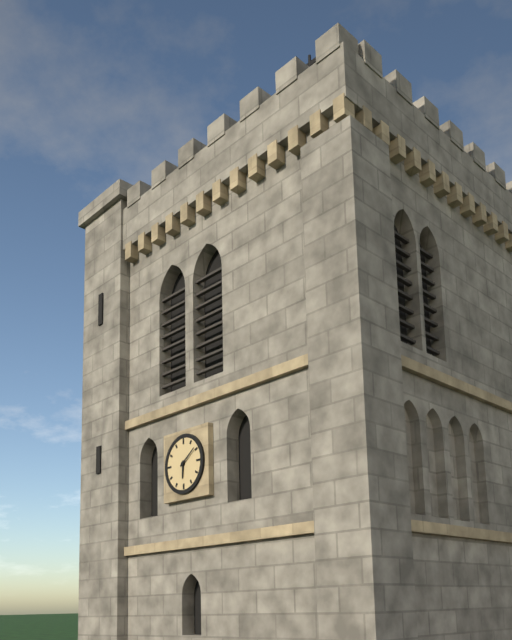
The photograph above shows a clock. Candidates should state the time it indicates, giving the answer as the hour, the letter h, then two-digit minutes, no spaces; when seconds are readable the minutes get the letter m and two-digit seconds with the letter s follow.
6h09
